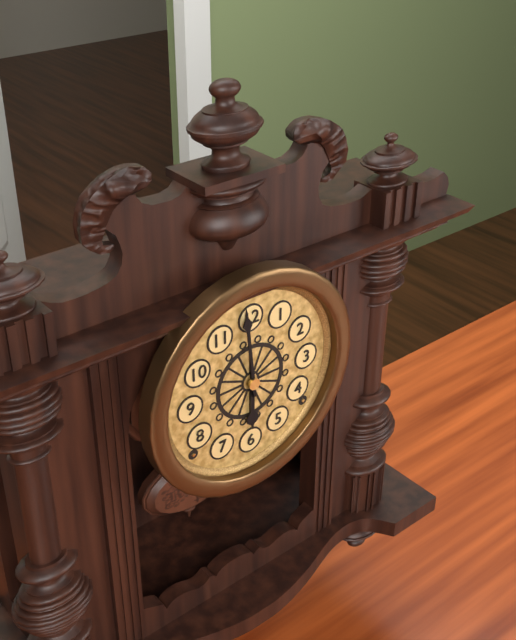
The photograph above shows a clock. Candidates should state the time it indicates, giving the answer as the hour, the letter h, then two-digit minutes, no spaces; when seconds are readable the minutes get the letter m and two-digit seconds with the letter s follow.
5h59
